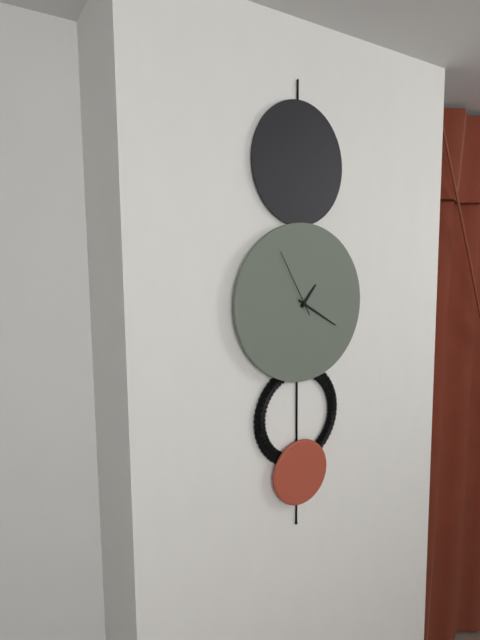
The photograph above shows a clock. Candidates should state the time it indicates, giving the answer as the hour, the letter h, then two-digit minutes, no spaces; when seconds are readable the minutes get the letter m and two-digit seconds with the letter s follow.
1h20m55s
